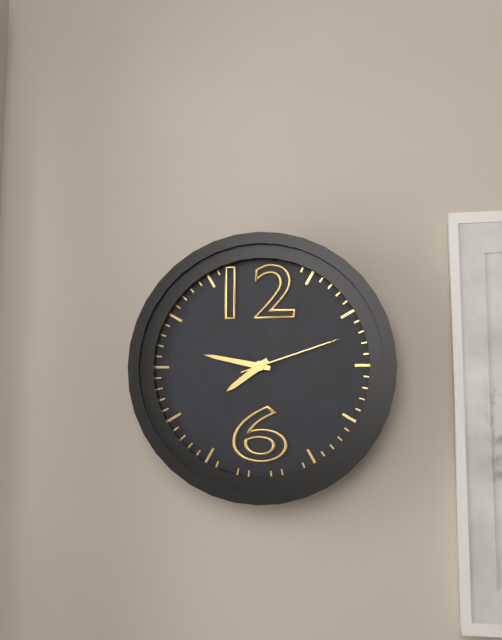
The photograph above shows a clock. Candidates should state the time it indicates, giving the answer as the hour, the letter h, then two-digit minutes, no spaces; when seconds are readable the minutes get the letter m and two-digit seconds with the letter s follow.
7h47m12s
